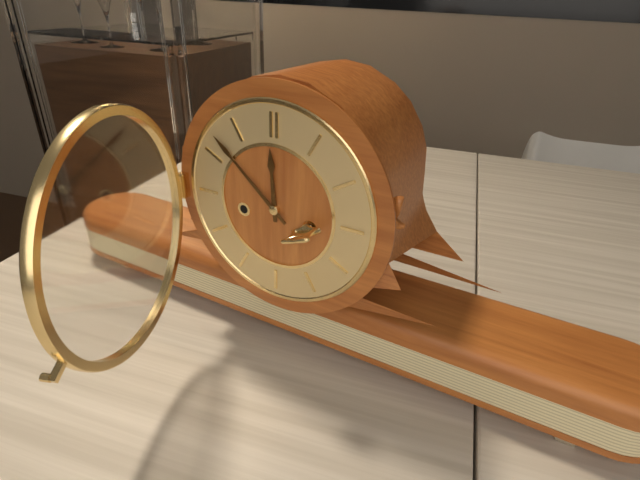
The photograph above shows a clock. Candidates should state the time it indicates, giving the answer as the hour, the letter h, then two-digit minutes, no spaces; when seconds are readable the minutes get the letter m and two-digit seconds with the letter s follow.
11h52
